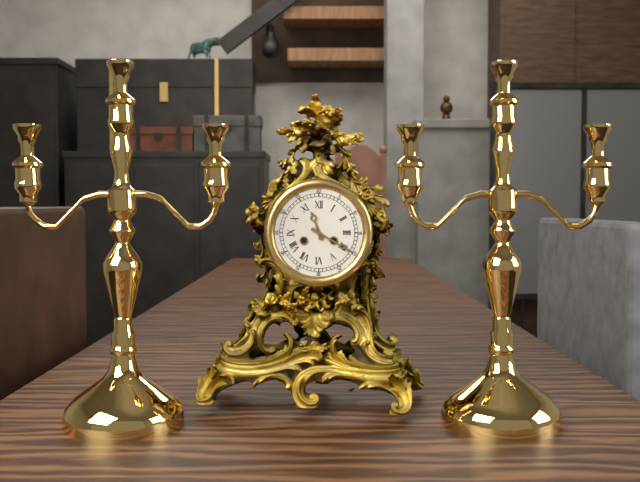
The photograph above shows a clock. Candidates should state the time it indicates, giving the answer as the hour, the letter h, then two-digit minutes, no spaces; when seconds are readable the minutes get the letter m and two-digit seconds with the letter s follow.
11h20
